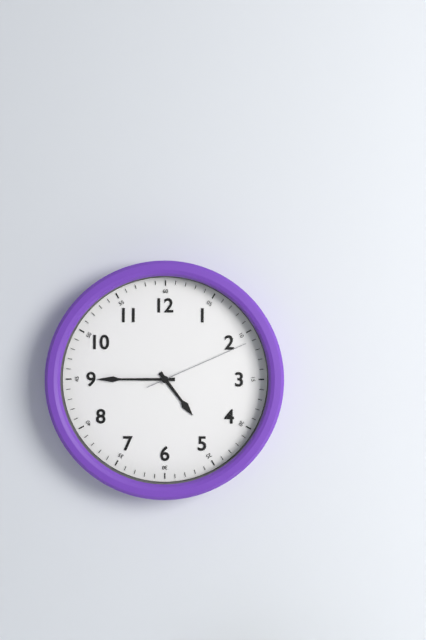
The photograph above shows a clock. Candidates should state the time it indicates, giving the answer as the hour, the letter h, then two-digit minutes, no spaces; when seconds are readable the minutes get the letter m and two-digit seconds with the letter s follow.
4h45m11s
